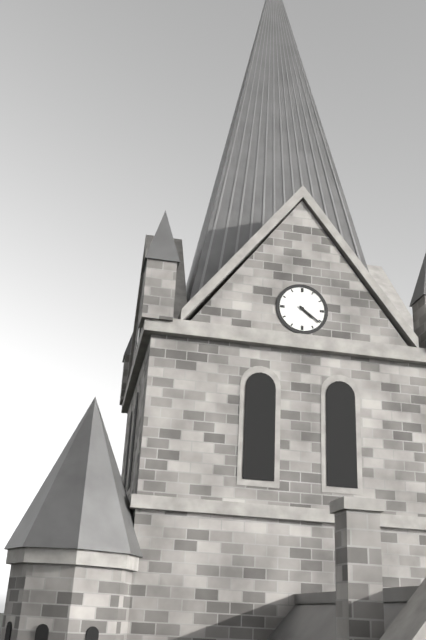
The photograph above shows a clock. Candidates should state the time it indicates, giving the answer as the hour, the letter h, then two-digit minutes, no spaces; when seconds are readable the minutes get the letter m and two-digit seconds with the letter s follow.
4h21
